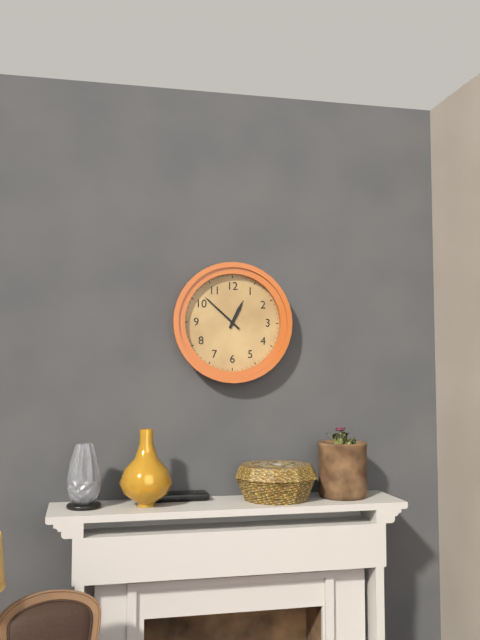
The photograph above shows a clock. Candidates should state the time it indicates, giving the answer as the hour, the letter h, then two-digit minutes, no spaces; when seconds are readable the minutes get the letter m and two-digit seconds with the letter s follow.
12h52
